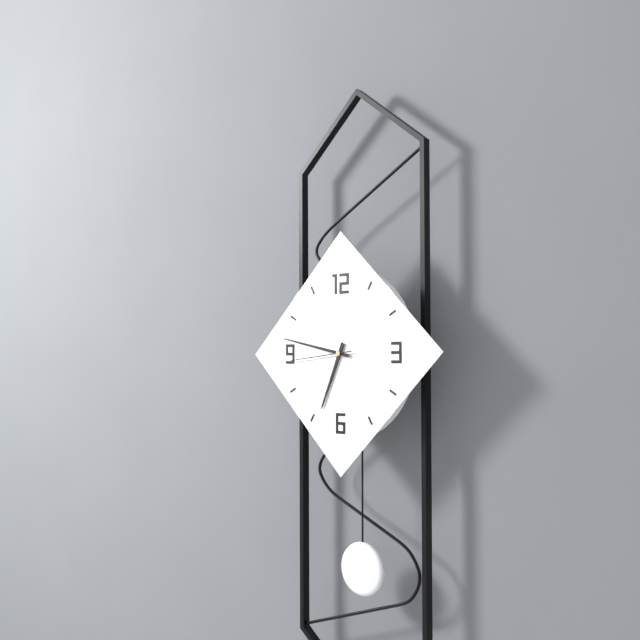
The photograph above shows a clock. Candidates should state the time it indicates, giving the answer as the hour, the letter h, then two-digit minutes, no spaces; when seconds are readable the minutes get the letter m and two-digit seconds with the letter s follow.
6h47m44s
